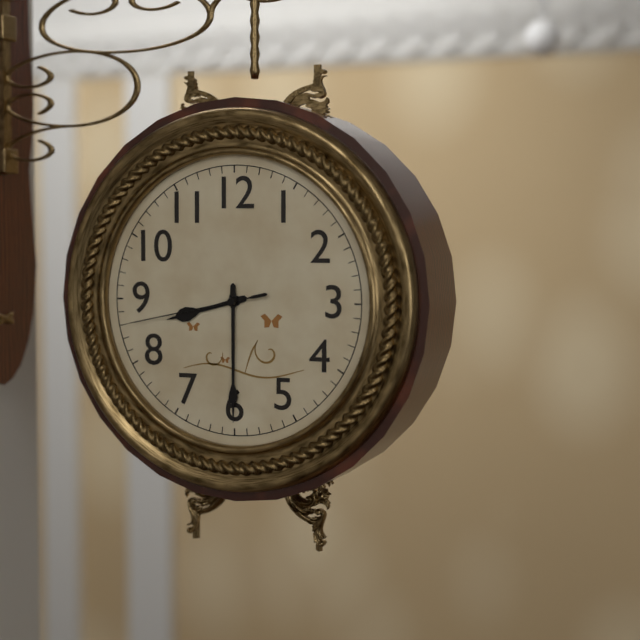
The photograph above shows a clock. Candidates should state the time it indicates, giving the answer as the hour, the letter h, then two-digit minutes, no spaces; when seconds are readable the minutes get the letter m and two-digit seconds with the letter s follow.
8h30m43s
